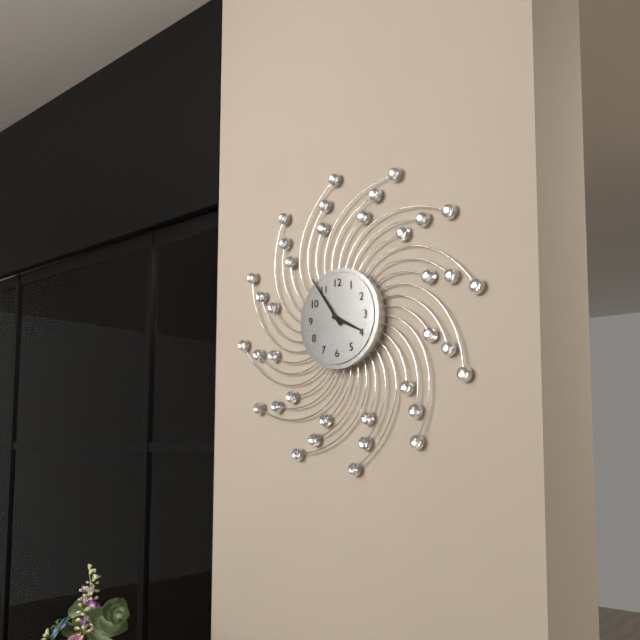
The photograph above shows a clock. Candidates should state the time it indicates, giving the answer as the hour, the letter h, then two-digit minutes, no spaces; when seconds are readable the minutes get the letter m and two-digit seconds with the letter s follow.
3h54
